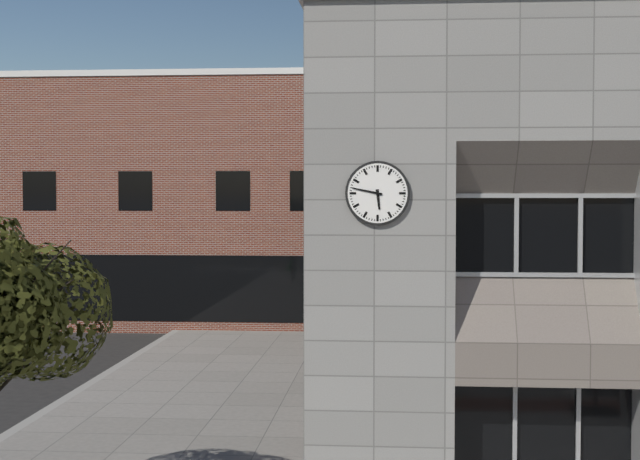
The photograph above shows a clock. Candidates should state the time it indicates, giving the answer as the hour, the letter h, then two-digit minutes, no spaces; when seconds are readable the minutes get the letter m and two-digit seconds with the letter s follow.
5h47
